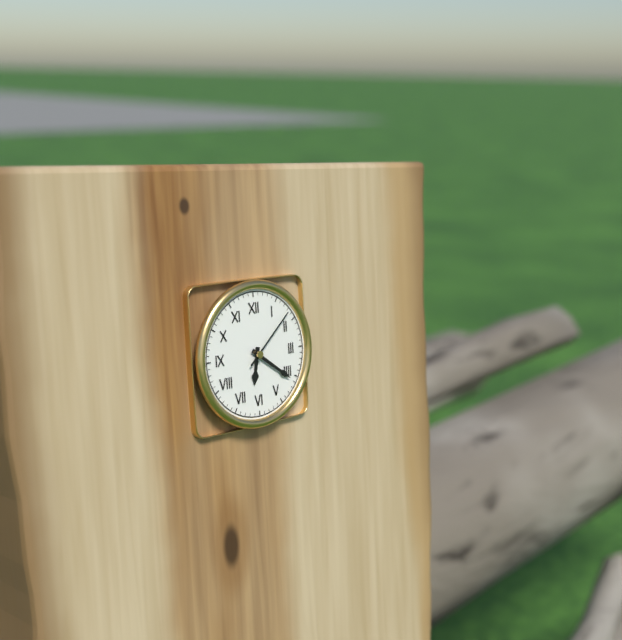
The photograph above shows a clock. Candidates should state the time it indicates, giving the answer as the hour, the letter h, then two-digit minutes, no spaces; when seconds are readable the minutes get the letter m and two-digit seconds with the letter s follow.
6h21m08s
